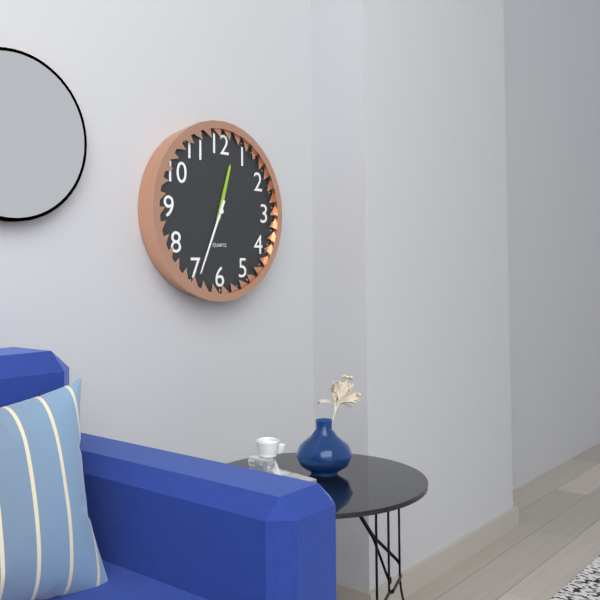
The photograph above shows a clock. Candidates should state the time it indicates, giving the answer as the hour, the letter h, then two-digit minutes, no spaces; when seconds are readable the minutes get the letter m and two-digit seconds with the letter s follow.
12h34
